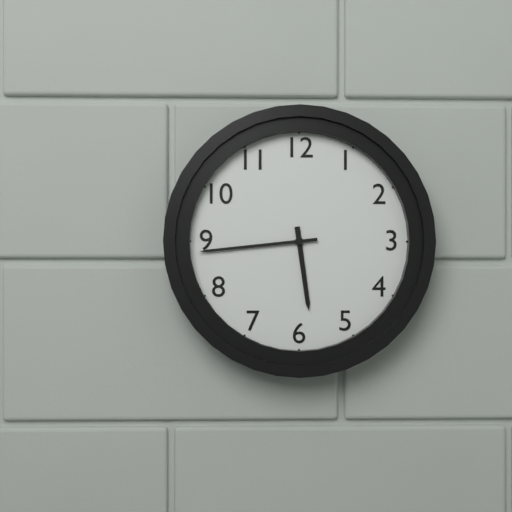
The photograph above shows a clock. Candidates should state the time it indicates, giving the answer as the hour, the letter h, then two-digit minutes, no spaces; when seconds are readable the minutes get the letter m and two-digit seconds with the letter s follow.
5h44
